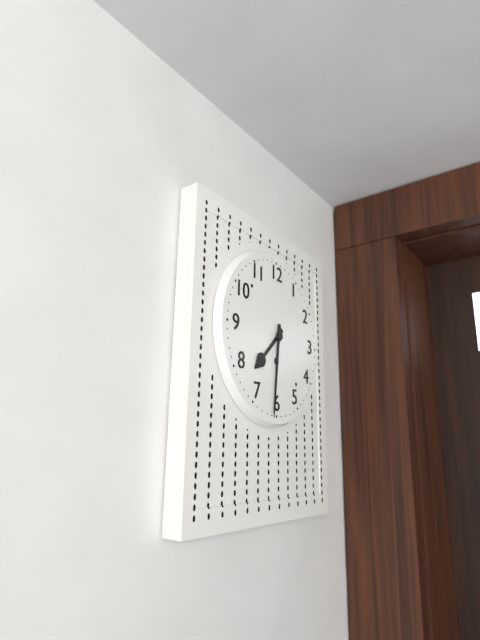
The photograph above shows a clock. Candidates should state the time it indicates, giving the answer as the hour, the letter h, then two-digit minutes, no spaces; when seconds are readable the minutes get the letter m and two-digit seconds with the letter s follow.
7h31
